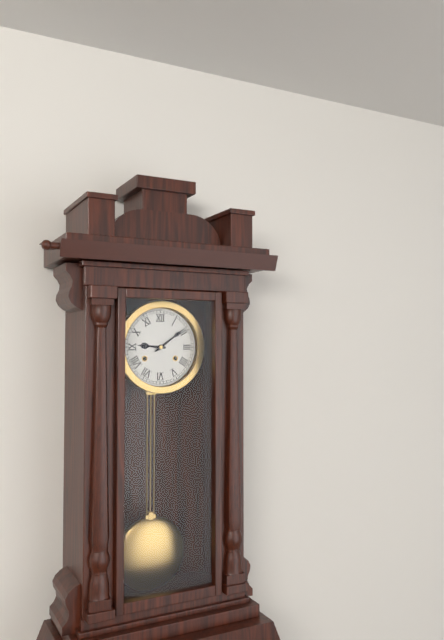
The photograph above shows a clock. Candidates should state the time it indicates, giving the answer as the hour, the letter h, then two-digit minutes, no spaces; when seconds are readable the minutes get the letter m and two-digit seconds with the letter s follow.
9h09
